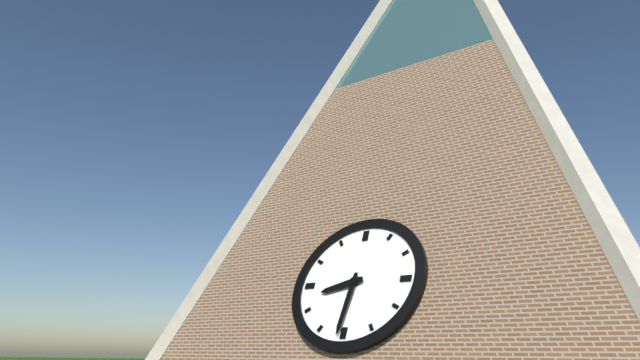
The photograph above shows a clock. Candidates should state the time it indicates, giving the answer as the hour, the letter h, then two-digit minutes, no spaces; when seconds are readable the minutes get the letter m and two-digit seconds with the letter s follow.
8h31
